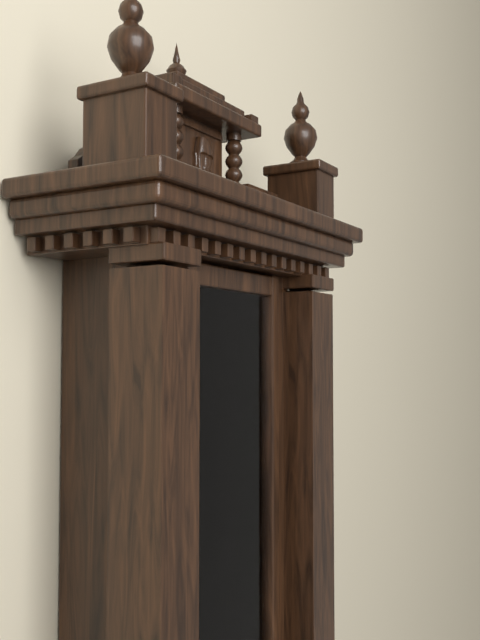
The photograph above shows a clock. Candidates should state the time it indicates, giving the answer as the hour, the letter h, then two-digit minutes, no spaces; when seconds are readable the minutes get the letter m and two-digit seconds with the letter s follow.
7h02
